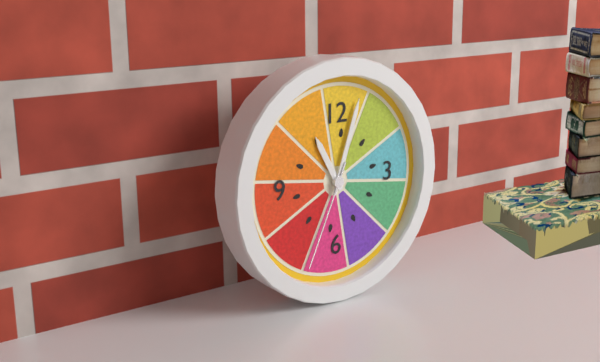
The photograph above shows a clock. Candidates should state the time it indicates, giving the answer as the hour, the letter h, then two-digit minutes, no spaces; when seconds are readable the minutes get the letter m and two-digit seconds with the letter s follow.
11h03m34s
